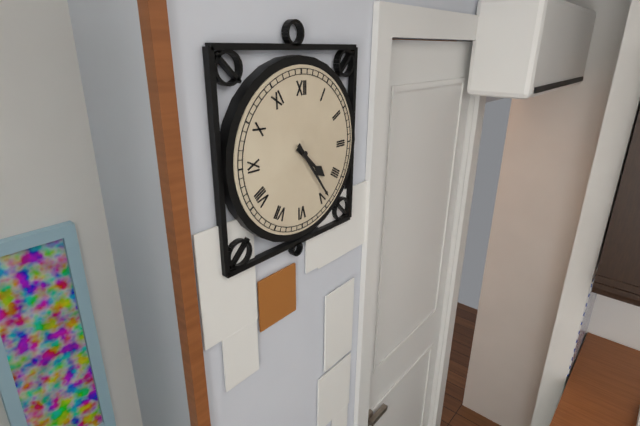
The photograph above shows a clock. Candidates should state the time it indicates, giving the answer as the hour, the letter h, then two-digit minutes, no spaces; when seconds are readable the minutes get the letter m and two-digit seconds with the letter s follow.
4h24
